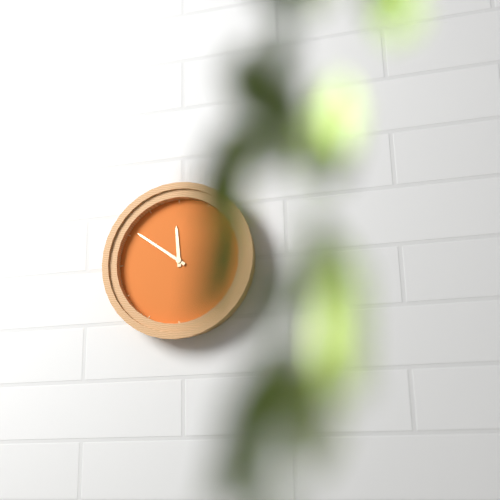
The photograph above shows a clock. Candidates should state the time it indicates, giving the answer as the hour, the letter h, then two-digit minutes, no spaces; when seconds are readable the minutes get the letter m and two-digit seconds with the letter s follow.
11h51
